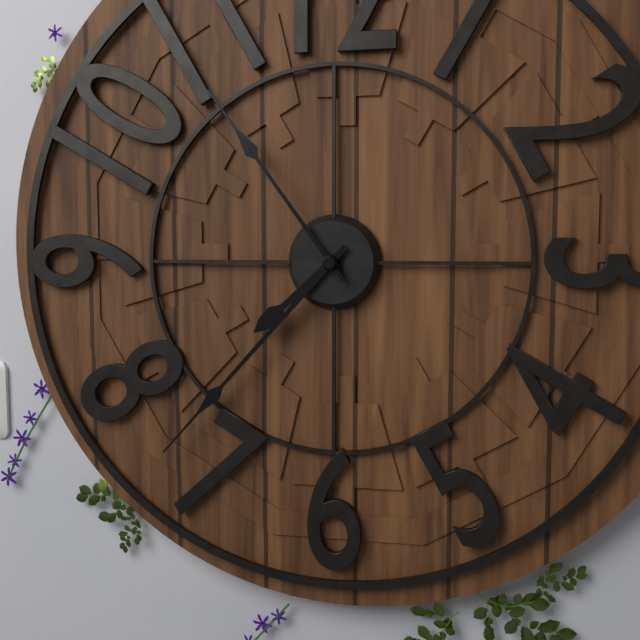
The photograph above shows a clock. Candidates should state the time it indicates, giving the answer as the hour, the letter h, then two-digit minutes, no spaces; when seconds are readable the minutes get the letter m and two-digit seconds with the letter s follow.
7h37m54s
